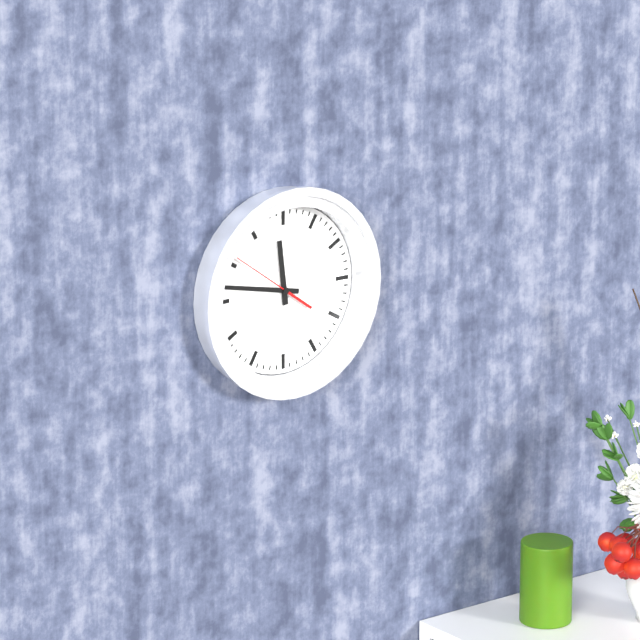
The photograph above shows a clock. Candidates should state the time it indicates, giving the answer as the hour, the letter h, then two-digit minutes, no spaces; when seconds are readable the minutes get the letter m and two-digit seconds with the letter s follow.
11h47m51s
